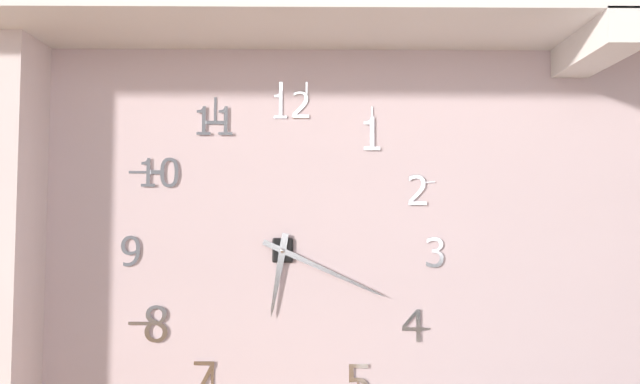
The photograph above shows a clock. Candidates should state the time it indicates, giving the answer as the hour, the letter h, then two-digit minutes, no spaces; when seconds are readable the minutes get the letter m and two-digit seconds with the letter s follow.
6h19
